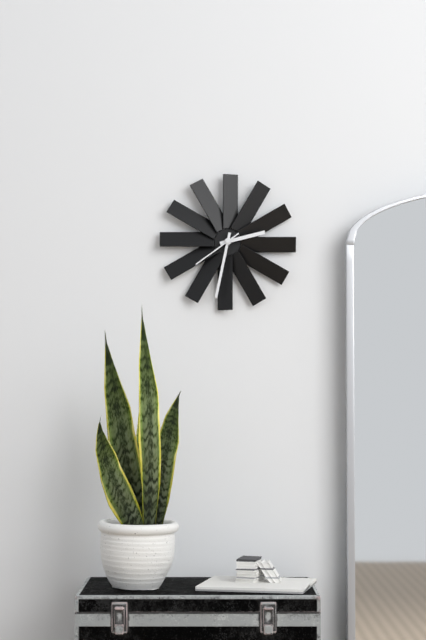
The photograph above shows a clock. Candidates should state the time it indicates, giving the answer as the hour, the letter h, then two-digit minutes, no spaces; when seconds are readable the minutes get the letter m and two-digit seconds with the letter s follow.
2h32
